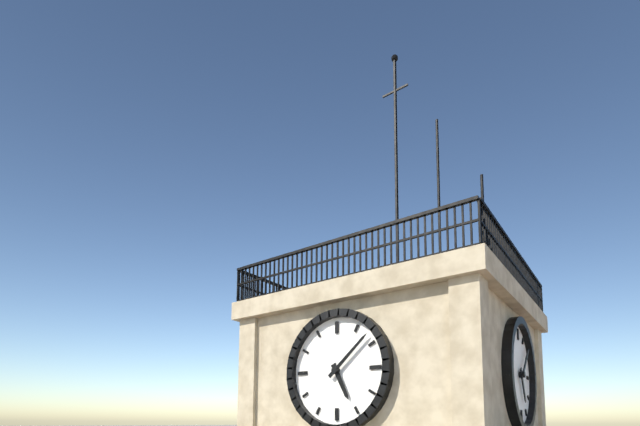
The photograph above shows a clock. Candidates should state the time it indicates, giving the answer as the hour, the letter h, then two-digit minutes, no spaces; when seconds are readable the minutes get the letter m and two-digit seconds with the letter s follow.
5h08
